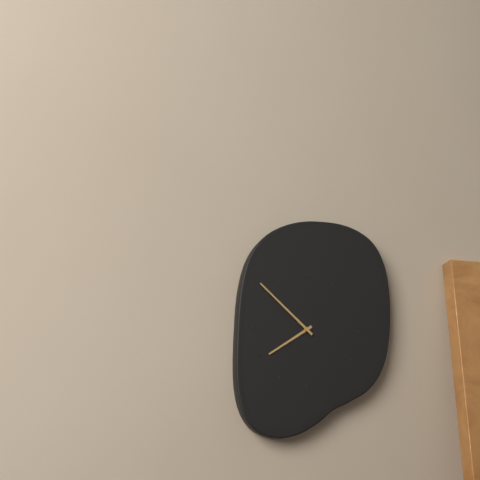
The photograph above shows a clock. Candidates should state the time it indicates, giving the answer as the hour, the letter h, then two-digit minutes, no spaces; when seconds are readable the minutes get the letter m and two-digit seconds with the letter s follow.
7h52
